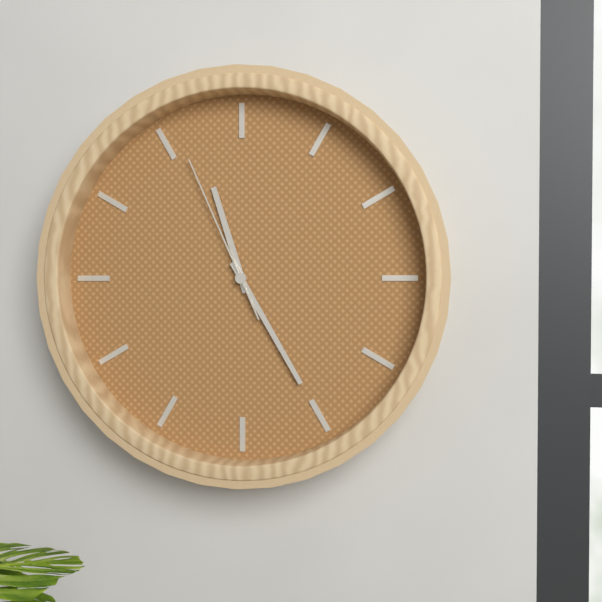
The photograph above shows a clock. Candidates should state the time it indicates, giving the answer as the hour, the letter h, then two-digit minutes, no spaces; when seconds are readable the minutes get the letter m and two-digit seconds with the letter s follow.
11h25m56s
